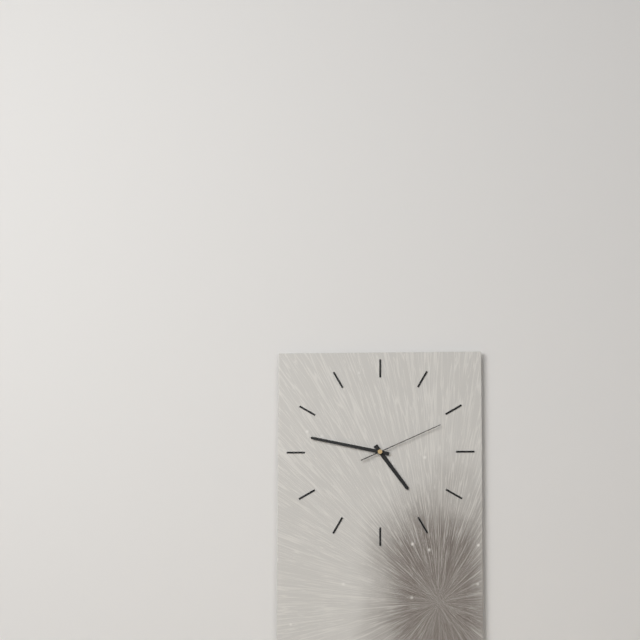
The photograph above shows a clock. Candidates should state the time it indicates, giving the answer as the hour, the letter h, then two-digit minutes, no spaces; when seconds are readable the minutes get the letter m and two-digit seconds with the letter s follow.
4h47m11s
